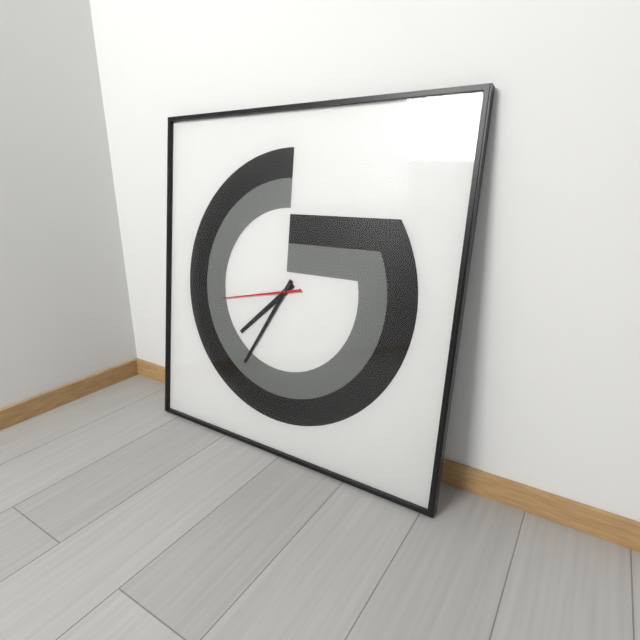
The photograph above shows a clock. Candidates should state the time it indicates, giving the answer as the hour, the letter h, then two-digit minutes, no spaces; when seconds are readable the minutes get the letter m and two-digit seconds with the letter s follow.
7h35m43s
